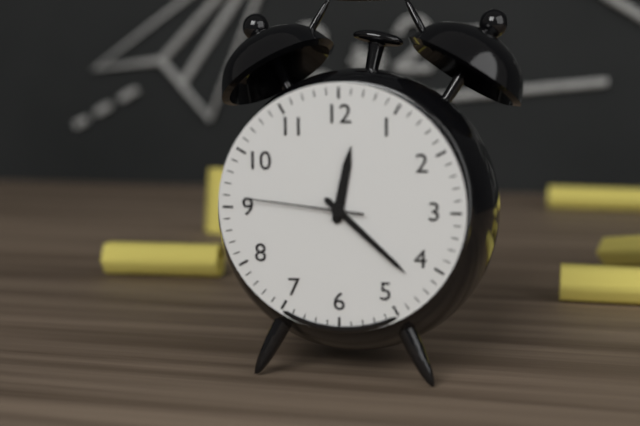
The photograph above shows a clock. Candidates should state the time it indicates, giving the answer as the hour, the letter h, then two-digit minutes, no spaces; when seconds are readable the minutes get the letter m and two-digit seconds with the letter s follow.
12h22m46s
